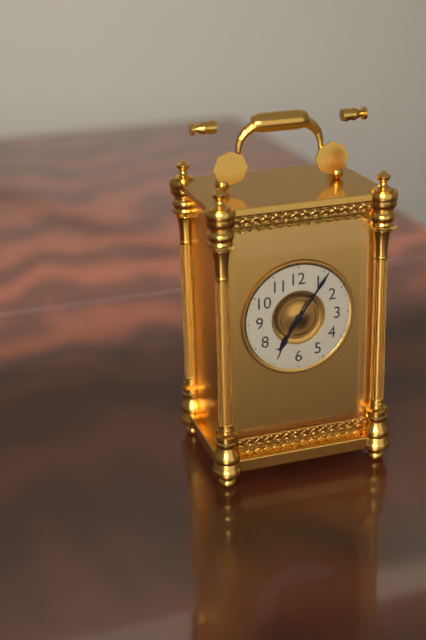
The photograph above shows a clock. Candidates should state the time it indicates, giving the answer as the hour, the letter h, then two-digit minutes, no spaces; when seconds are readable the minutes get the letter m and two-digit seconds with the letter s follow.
7h06
